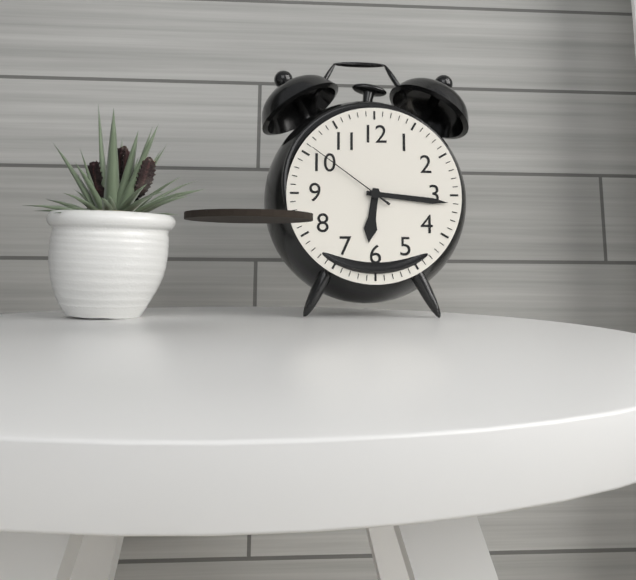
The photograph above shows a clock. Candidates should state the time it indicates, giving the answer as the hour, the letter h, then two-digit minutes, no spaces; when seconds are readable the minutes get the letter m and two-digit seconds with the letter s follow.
6h16m51s
